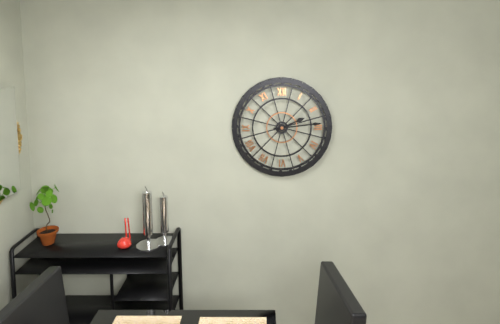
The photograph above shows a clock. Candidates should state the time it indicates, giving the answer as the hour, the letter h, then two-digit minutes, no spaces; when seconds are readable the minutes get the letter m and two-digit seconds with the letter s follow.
2h14
